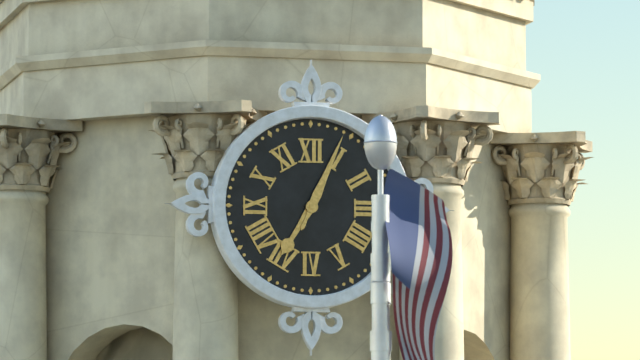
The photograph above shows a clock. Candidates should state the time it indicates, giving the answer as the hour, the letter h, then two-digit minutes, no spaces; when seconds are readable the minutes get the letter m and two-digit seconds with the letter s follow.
7h04
